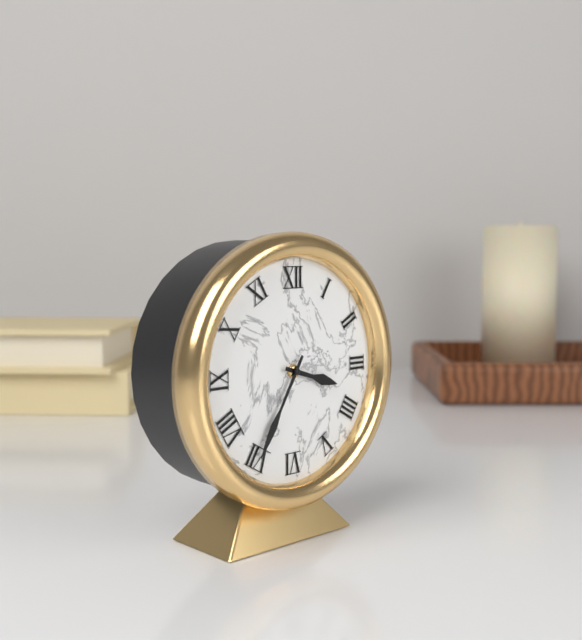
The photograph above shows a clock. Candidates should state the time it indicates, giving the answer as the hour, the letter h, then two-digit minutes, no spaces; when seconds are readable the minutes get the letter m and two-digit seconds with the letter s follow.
3h35
